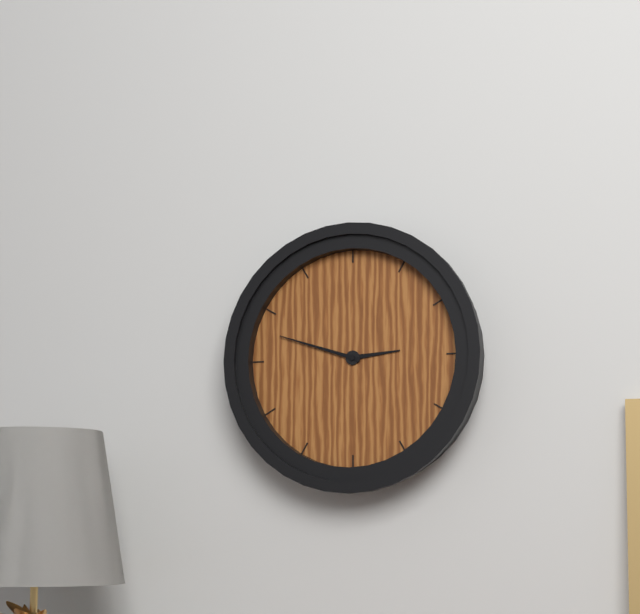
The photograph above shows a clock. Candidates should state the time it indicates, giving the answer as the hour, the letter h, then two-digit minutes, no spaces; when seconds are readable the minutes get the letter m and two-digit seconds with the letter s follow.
2h48
